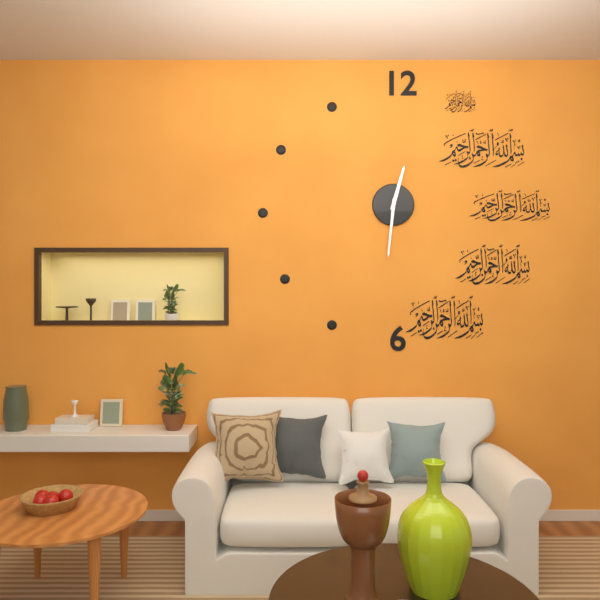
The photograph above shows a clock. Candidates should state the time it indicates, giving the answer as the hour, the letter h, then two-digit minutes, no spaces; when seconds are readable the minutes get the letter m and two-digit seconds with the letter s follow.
12h31
